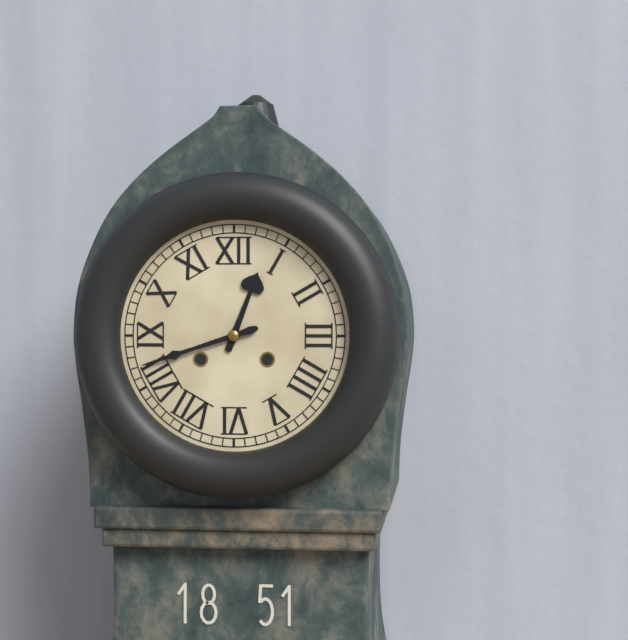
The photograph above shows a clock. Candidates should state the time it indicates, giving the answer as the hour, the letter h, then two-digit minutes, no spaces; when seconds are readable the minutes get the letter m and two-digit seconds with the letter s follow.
12h42
